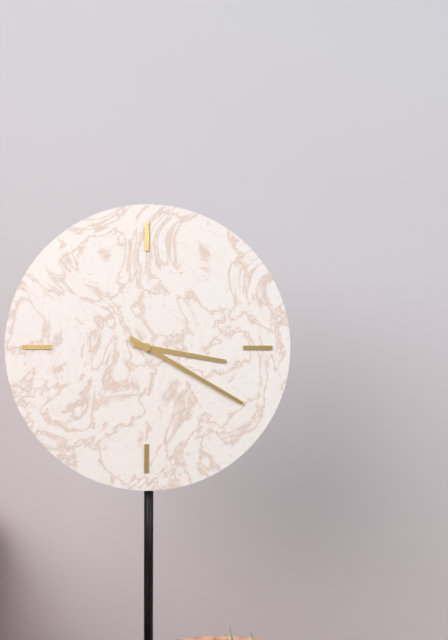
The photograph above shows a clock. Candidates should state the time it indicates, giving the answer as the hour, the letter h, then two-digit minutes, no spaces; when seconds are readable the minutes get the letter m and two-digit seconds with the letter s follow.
3h20
